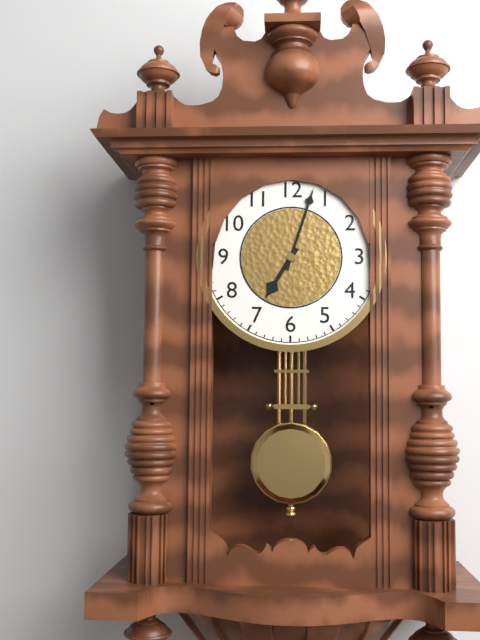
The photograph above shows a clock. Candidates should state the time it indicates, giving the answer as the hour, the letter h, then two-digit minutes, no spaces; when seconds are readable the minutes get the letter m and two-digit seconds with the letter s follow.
7h03
